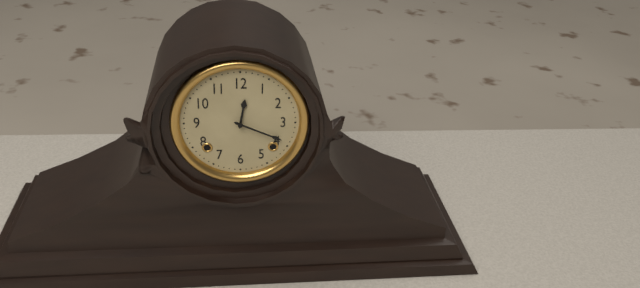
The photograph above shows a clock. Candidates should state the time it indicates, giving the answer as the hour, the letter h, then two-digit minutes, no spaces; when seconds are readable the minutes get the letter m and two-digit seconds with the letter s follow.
12h19
